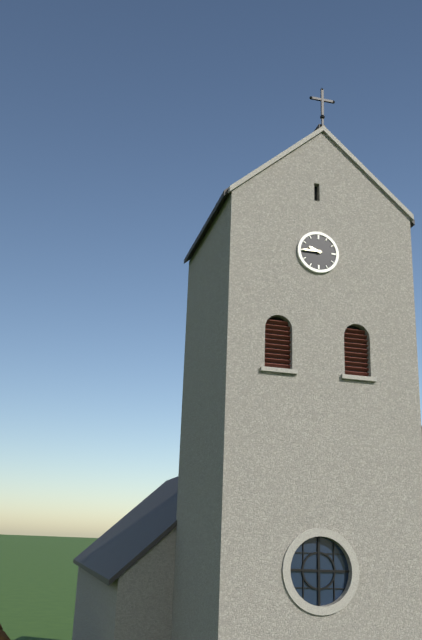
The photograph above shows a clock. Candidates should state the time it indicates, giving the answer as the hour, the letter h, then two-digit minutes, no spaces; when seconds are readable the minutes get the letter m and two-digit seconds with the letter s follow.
9h45
